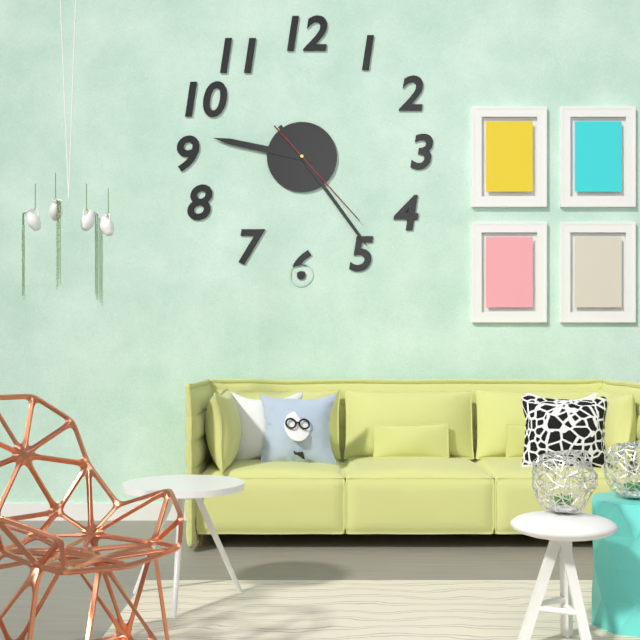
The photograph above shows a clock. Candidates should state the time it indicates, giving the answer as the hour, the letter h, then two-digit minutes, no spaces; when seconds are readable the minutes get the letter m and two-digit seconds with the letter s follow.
9h24m23s
